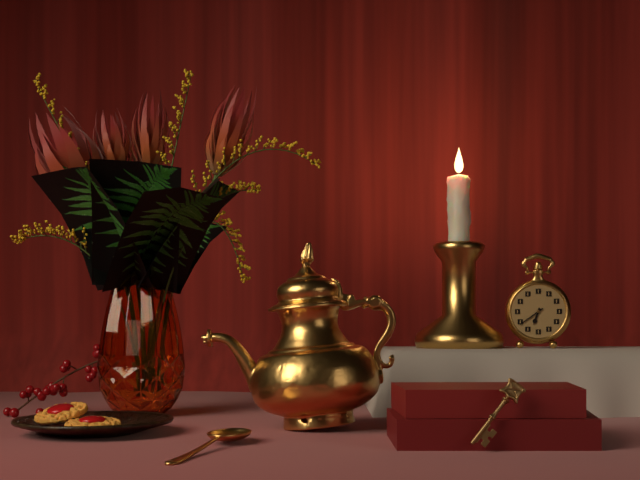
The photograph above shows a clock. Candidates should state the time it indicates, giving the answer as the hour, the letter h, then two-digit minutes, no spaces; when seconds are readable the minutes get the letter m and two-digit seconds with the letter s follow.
6h39
